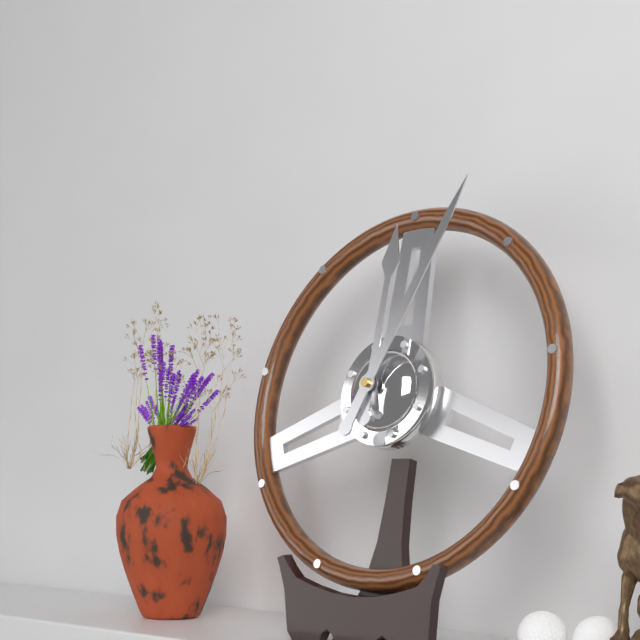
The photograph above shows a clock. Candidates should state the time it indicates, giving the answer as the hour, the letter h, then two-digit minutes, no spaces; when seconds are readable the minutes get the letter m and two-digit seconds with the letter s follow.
12h04
